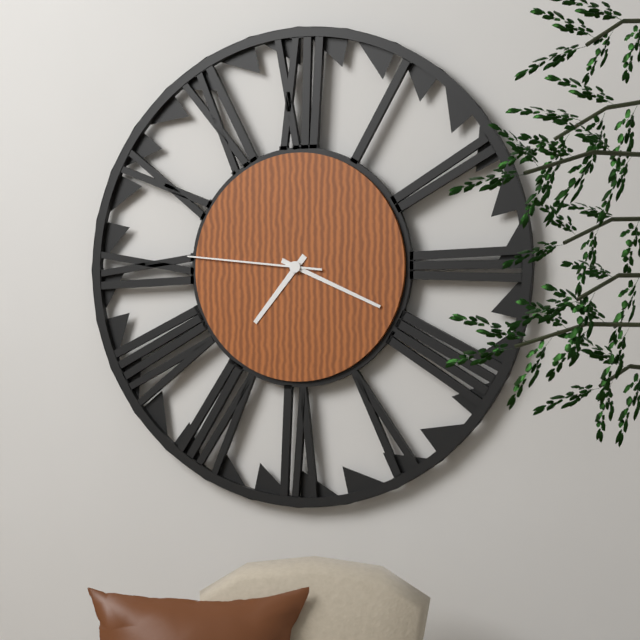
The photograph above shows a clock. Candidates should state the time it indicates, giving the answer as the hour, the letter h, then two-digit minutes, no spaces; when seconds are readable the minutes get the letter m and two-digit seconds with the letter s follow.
7h19m46s
